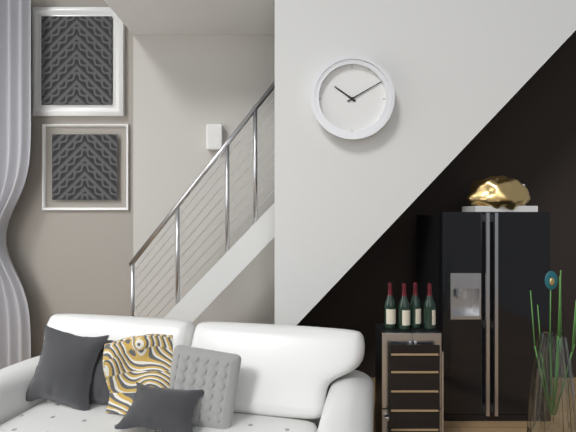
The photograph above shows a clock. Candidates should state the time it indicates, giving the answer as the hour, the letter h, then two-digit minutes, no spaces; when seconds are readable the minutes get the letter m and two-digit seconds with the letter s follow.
10h10
